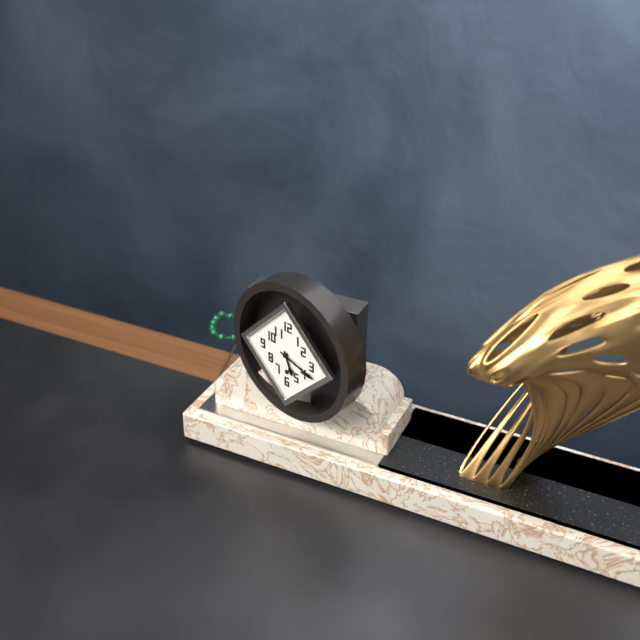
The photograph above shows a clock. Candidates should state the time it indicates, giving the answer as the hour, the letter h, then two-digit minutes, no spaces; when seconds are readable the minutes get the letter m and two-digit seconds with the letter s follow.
5h18
